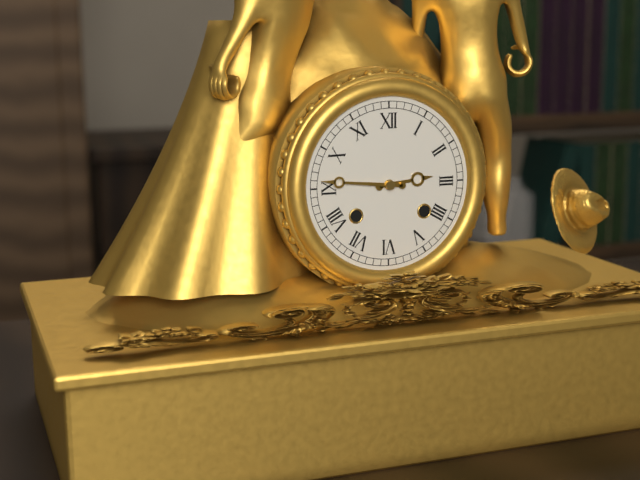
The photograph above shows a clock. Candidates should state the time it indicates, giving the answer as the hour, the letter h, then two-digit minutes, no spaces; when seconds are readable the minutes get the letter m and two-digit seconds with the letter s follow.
2h46
